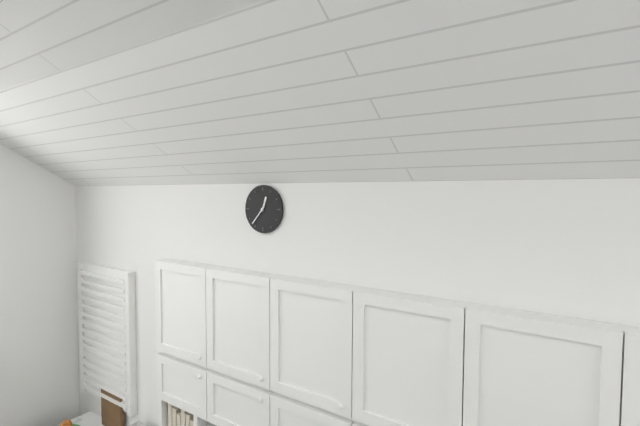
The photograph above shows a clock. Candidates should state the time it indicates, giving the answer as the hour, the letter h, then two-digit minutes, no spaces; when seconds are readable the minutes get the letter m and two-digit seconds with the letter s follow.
12h37
